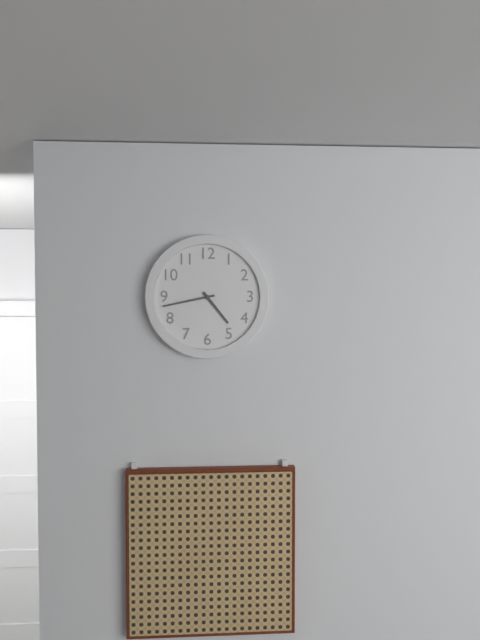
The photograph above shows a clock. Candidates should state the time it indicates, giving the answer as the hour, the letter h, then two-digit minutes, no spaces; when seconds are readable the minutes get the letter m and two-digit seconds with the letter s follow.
4h43
